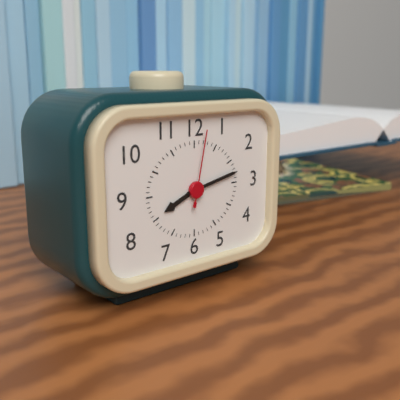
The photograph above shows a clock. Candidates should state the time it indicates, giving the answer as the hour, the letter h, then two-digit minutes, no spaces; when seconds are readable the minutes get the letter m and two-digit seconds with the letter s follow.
8h13m02s
